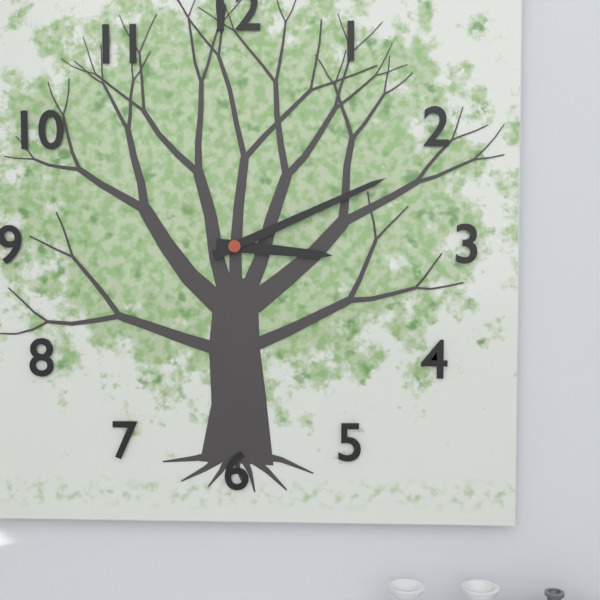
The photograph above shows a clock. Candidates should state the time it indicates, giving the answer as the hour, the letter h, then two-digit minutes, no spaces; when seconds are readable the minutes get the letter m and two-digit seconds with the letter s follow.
3h11
